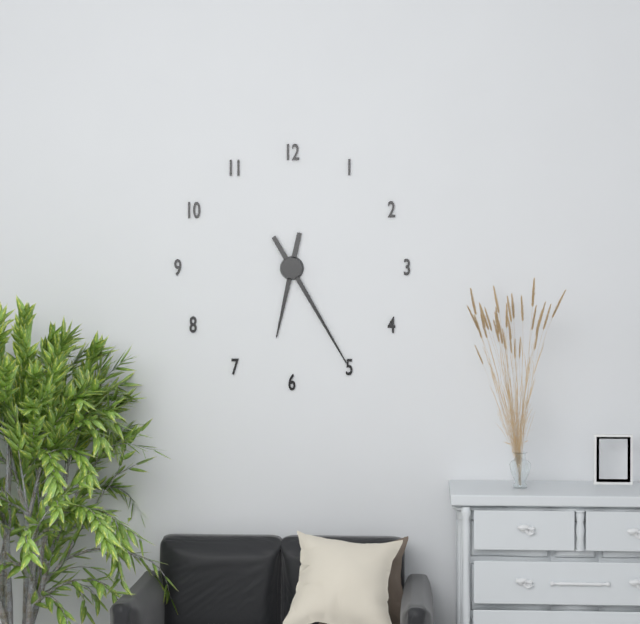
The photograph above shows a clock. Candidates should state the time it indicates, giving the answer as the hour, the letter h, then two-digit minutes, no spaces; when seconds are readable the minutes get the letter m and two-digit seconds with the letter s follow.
6h25
